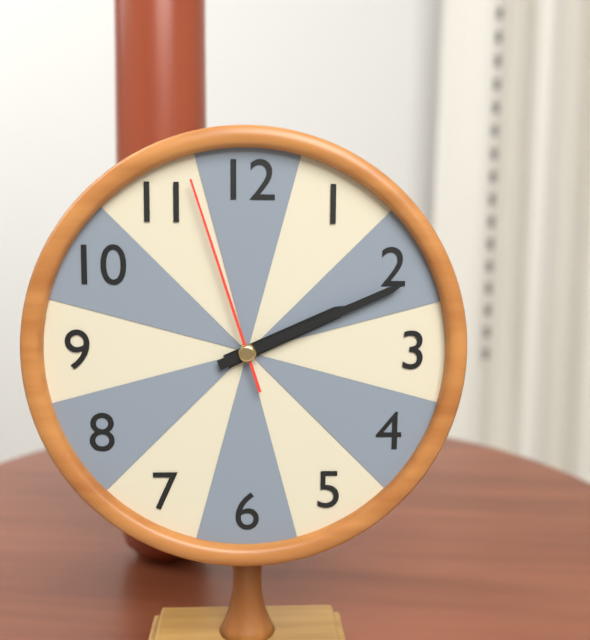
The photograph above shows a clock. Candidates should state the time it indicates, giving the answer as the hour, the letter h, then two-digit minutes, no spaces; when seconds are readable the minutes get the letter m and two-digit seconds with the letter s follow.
2h11m57s
